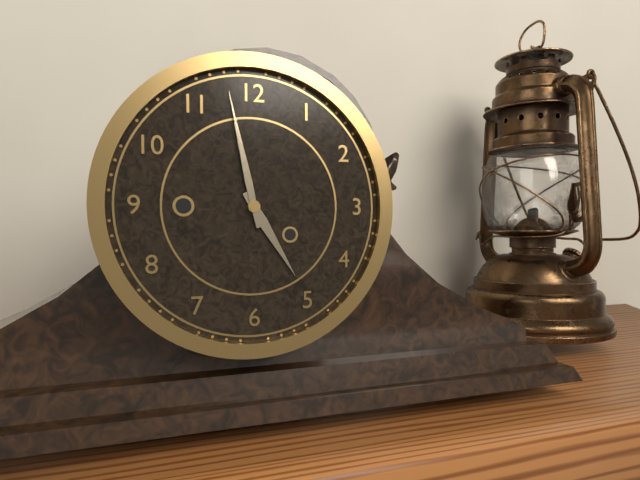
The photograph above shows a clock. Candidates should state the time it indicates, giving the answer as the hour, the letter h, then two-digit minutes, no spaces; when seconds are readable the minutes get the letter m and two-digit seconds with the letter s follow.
4h58
